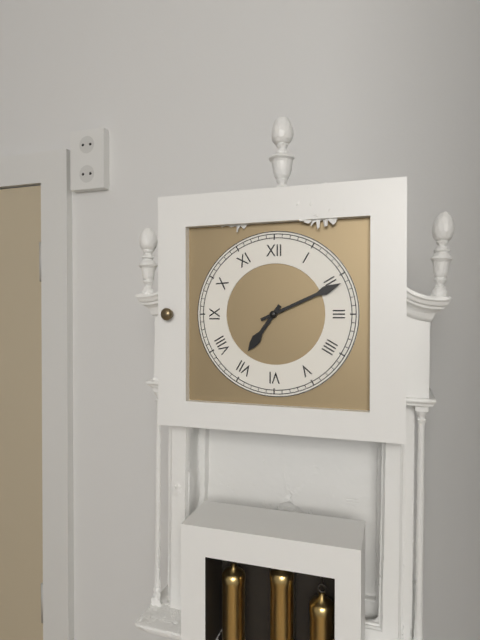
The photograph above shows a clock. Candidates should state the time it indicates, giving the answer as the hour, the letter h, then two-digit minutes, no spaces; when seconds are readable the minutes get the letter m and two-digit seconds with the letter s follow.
7h11
